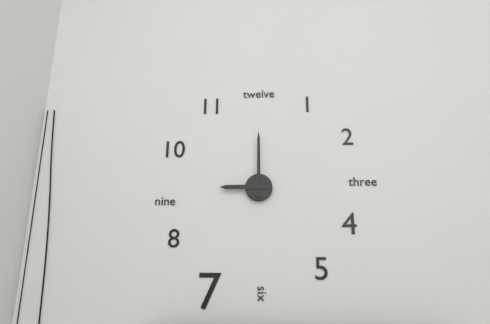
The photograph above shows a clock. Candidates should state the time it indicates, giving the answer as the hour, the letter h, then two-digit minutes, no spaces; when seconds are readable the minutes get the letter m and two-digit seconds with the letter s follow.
9h00
